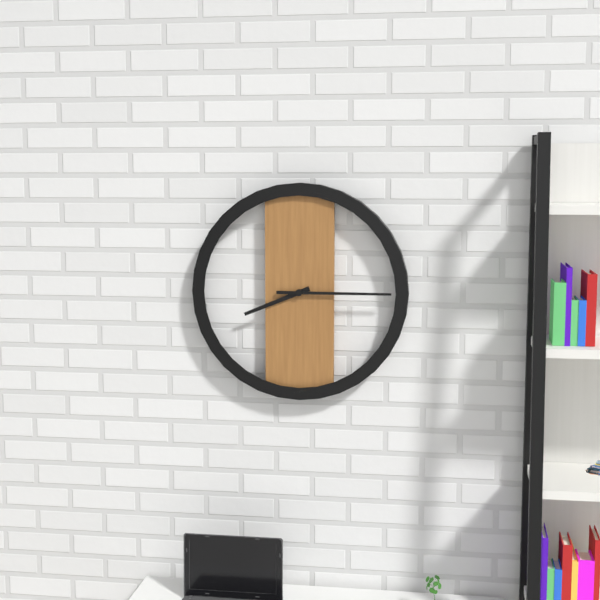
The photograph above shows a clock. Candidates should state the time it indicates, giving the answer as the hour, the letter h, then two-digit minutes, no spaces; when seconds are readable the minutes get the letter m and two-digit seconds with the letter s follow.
8h15
